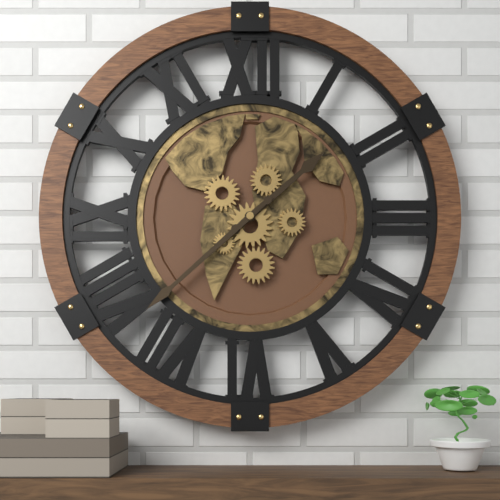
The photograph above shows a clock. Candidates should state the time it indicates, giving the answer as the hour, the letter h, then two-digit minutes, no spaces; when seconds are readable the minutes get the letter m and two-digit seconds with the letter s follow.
1h38
